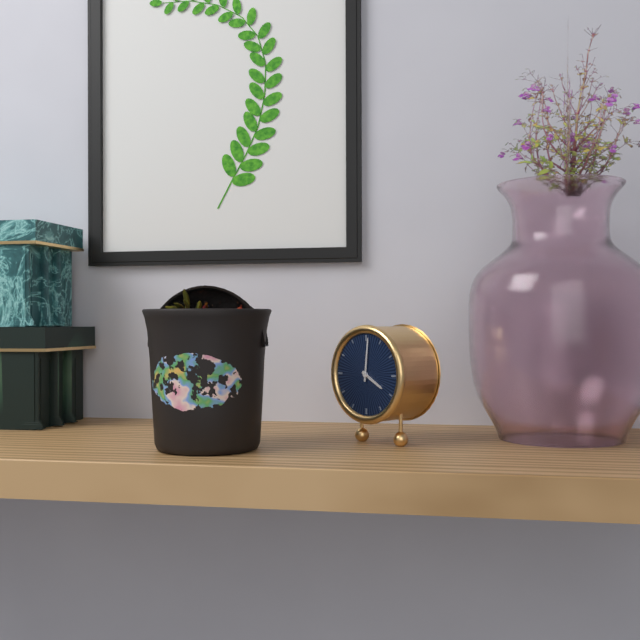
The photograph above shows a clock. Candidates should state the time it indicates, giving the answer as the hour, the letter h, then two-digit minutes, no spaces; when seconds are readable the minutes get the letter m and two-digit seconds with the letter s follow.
4h01
